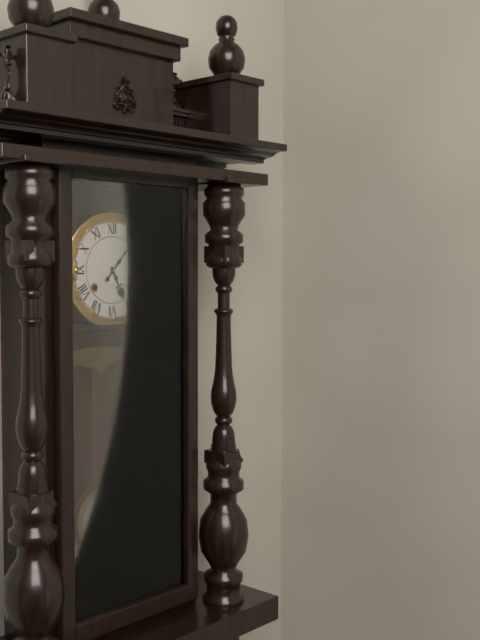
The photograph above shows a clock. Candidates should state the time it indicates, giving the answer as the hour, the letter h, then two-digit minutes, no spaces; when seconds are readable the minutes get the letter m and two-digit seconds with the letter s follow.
5h07
